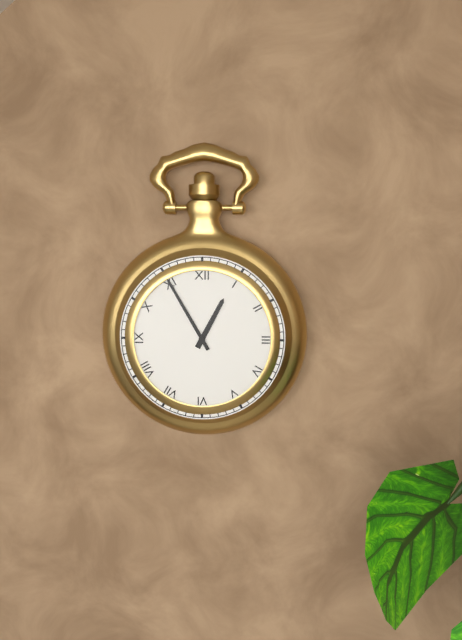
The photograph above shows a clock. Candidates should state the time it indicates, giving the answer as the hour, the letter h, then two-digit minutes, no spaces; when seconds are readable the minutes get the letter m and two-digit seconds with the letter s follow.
12h55
